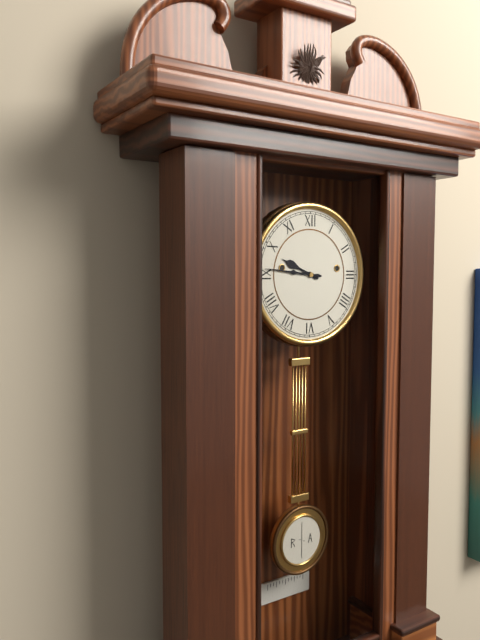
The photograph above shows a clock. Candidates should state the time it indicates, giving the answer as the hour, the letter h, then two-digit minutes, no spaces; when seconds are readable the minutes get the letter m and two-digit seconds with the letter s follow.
9h46
